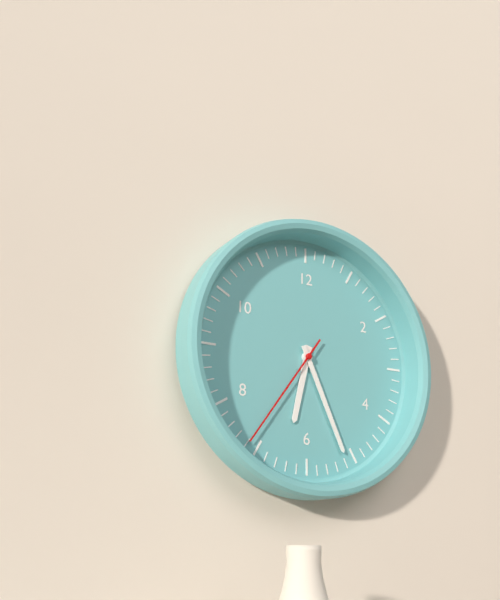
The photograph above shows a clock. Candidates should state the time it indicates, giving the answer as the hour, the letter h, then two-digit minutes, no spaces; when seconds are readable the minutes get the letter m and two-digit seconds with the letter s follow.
6h26m36s
